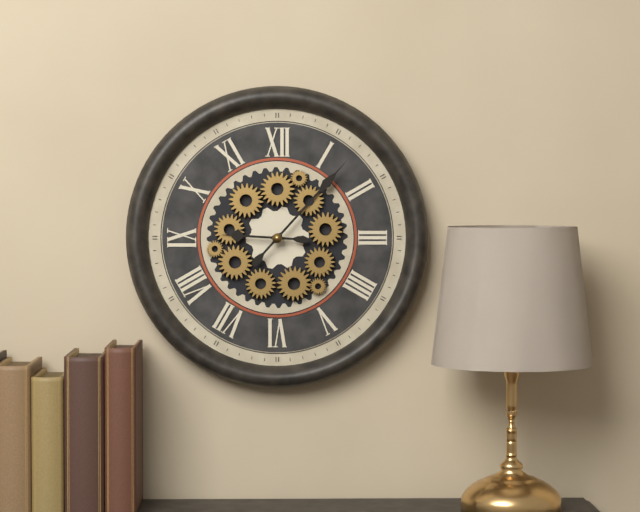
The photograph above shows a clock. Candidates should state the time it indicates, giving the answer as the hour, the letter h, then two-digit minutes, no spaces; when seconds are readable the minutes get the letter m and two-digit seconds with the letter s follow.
9h07
